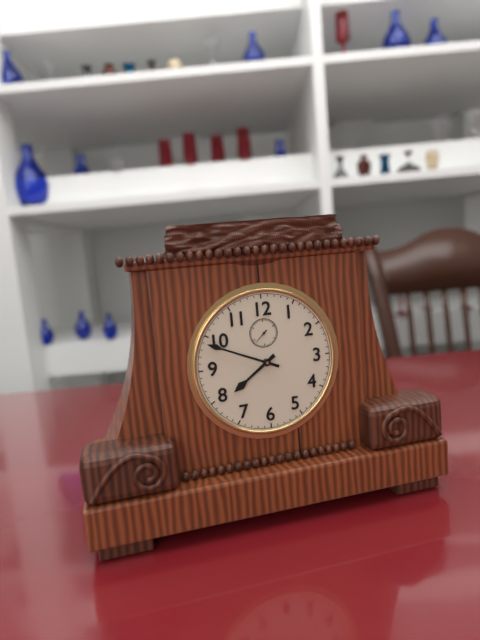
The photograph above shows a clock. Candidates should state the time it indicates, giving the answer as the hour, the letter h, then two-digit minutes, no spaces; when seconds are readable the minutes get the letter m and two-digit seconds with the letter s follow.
7h49
